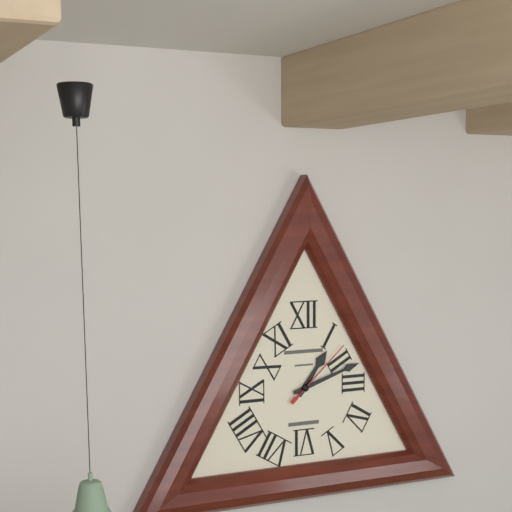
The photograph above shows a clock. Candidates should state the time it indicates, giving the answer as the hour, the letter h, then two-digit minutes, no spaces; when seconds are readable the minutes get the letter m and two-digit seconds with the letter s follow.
1h12m08s
